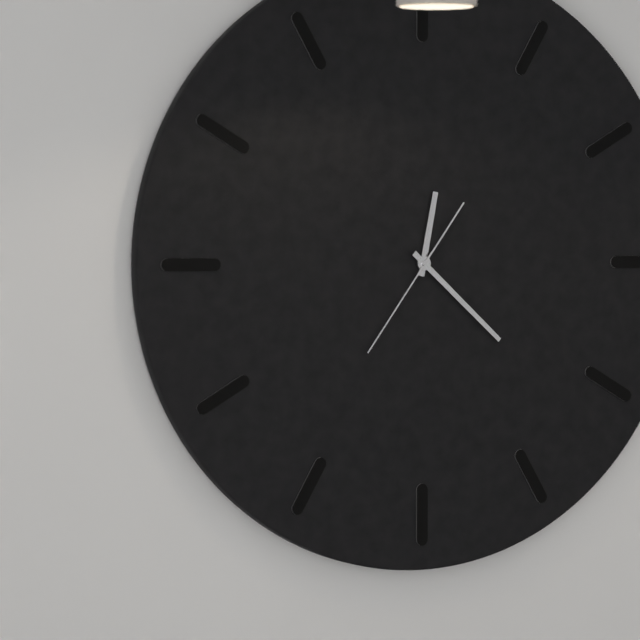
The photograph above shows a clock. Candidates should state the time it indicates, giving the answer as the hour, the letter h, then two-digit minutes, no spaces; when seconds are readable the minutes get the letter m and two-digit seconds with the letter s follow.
12h22m36s
